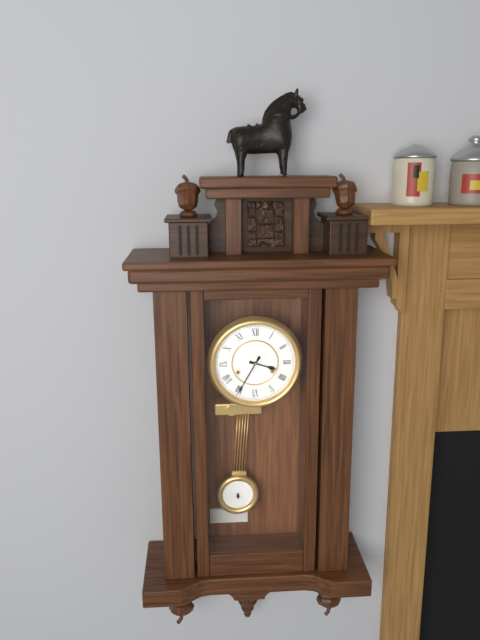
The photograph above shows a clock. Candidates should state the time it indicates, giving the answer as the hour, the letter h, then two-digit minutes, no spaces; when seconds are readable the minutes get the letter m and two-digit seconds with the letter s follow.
3h35
